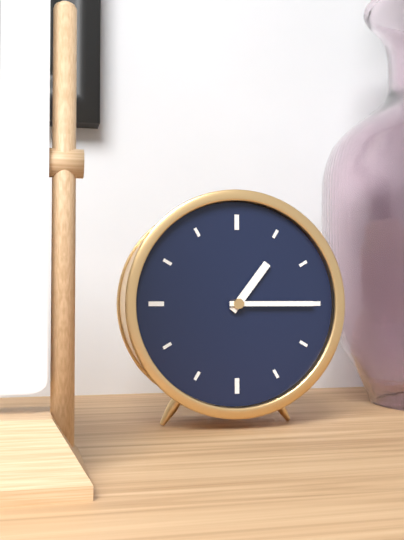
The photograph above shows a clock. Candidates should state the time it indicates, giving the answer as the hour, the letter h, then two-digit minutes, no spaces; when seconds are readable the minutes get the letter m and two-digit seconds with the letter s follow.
1h15
